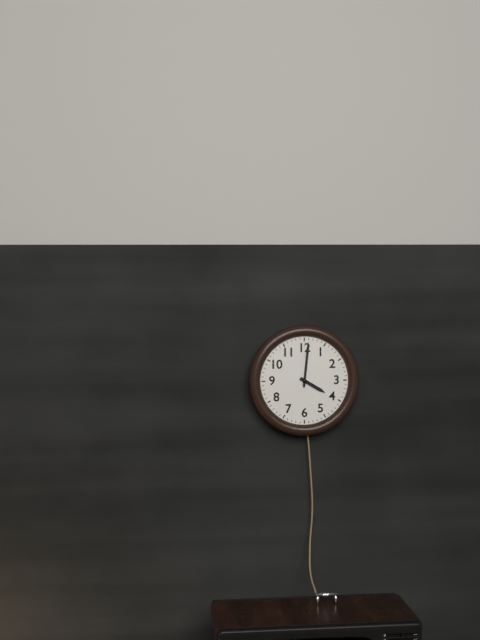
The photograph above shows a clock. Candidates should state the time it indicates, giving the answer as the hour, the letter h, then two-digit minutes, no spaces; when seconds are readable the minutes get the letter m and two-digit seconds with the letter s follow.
4h01
